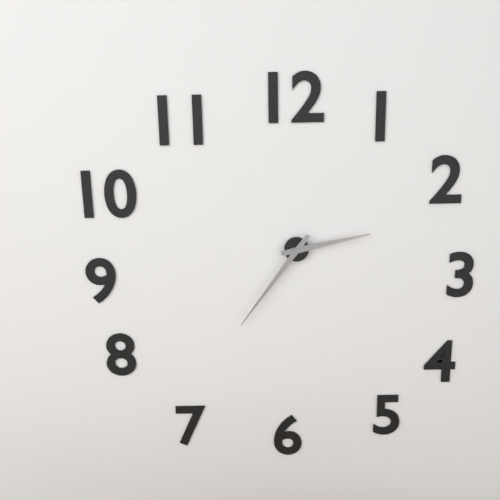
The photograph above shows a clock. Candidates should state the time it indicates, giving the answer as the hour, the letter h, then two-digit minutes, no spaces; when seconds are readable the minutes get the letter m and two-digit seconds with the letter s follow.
2h36
